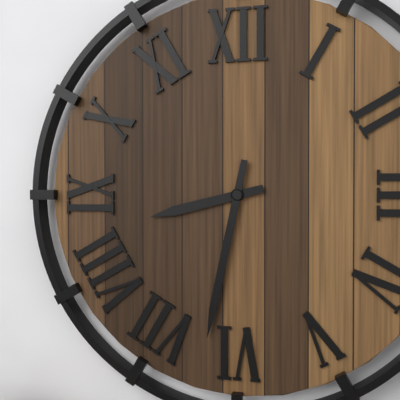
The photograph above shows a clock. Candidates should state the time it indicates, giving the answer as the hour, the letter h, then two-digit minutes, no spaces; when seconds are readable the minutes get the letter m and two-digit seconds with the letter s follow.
8h32
